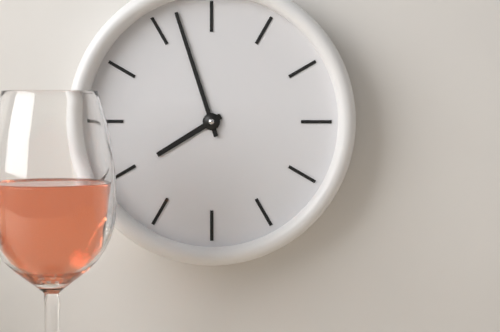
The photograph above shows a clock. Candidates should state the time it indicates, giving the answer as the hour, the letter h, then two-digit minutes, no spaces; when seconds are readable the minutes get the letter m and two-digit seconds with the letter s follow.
7h57
